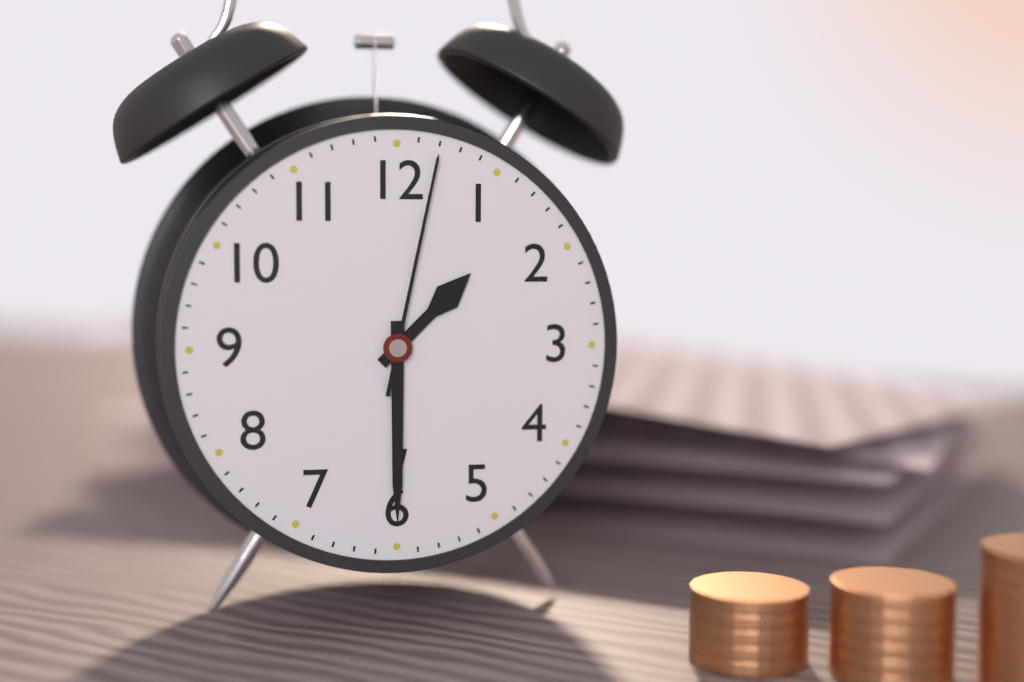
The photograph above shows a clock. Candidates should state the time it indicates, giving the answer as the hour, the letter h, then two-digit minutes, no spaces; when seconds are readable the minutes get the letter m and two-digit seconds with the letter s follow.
1h30m02s
